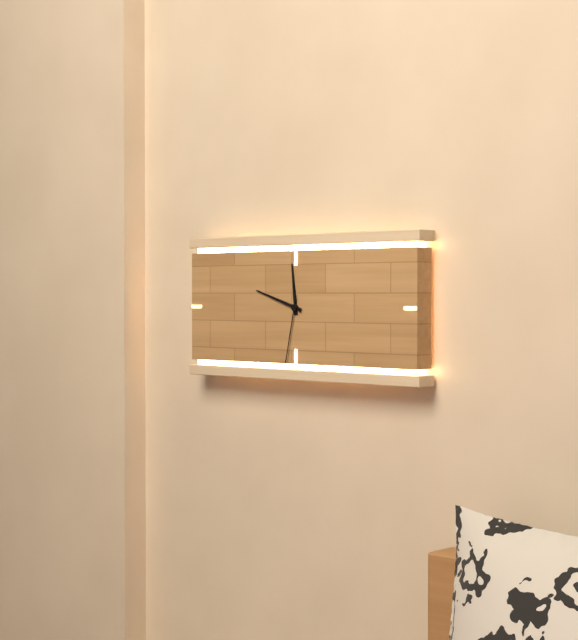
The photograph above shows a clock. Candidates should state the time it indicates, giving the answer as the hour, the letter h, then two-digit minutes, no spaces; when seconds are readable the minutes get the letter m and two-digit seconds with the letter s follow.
11h48m32s
